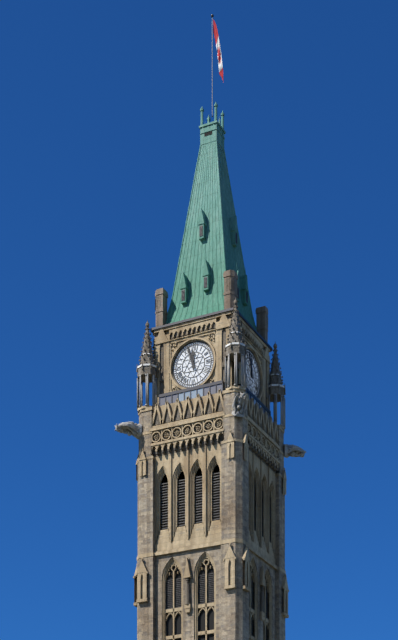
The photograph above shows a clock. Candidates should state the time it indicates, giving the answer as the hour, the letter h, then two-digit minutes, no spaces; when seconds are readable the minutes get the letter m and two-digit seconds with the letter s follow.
11h57
